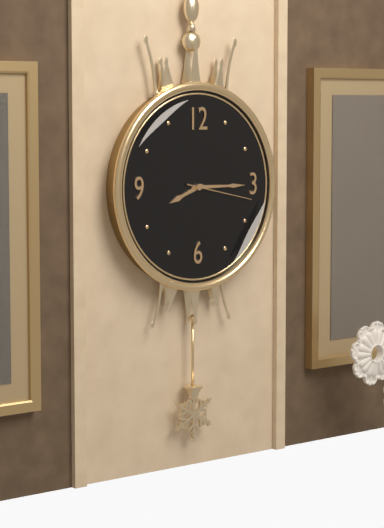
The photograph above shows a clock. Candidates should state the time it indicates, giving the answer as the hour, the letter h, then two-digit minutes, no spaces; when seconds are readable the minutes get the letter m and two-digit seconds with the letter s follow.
8h15m17s
